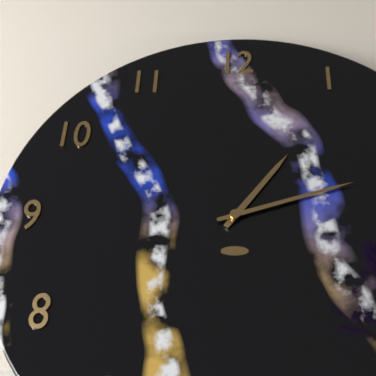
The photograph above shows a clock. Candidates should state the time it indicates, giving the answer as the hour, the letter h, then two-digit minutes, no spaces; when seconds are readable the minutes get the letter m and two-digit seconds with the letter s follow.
1h12
